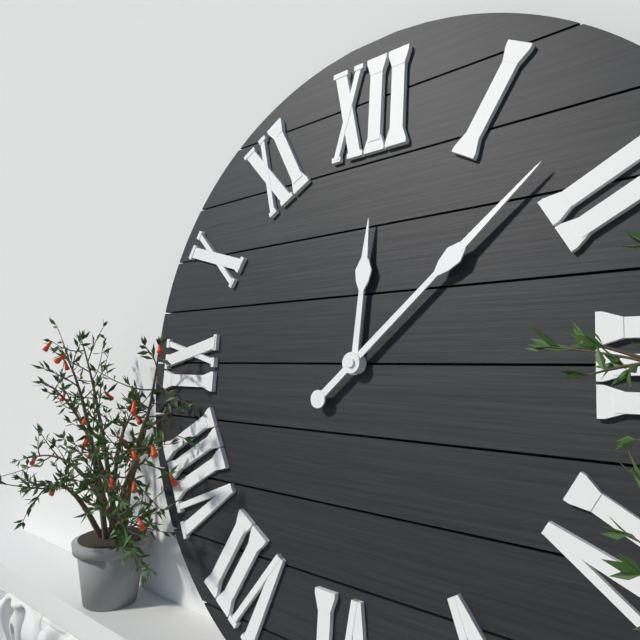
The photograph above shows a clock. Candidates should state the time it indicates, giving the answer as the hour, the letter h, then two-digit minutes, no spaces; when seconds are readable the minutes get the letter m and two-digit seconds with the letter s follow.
12h08
